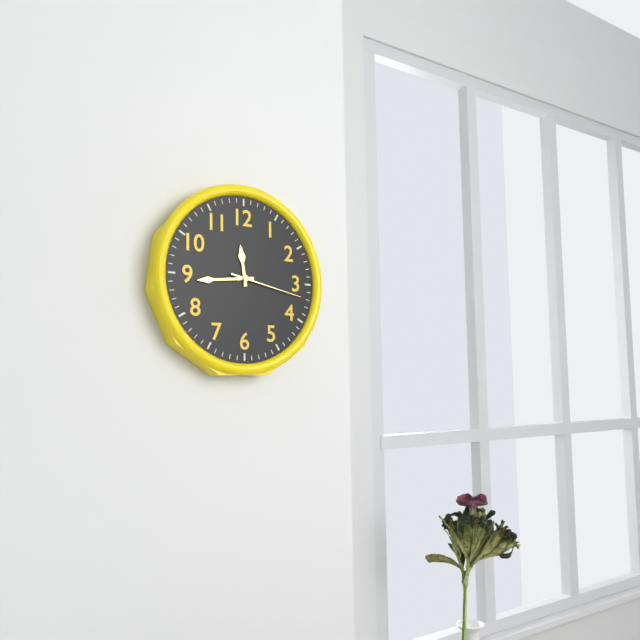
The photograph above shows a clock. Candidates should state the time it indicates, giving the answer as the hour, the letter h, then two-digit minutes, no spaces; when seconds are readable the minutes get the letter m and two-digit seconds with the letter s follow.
11h44m17s
